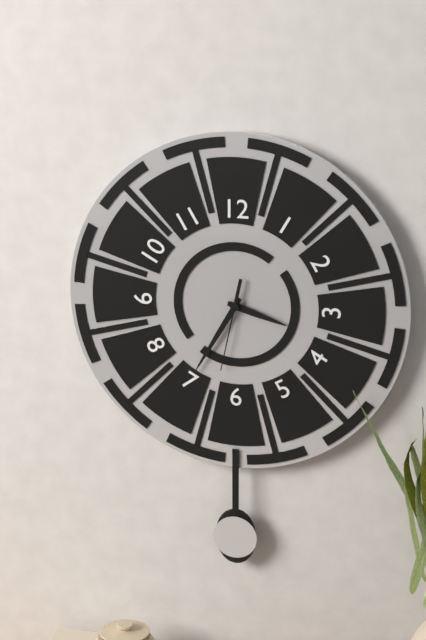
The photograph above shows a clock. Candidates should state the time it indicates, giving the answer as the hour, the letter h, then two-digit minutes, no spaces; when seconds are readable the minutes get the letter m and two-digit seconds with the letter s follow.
3h35m32s
